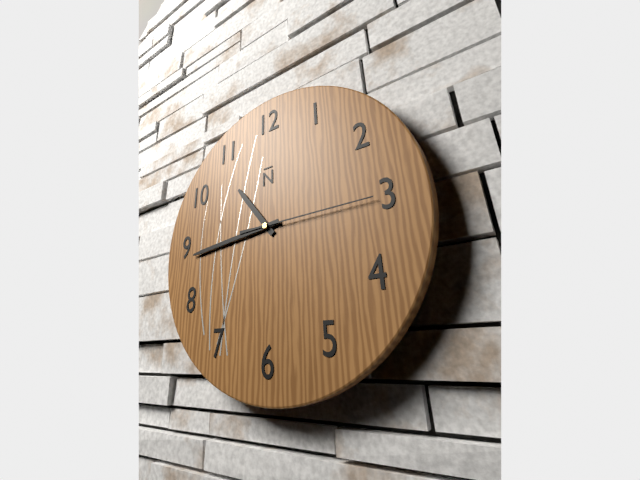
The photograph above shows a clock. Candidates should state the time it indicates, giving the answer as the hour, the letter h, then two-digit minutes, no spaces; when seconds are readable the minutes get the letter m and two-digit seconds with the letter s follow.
10h44m15s
